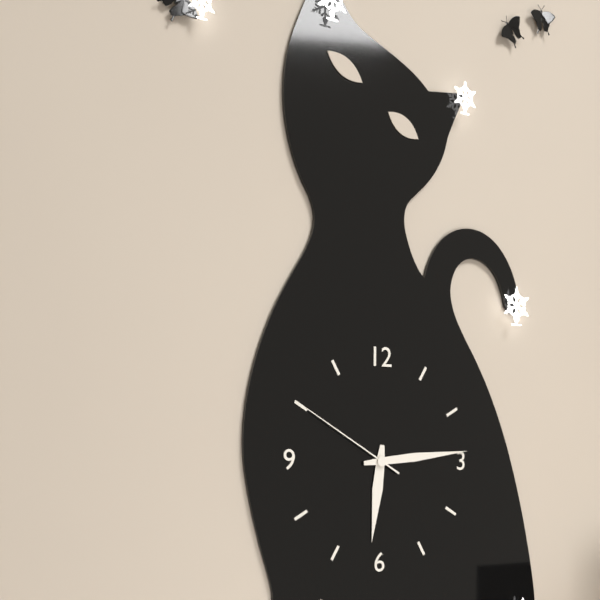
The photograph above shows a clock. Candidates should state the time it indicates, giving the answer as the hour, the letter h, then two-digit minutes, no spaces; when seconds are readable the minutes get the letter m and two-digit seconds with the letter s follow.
6h14m50s
